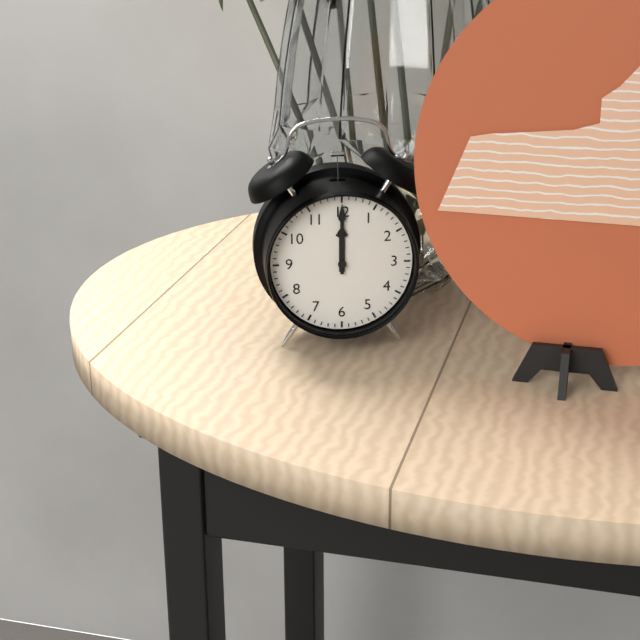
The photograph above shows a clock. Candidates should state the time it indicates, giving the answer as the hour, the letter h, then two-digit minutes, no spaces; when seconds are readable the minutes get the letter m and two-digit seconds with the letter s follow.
12h00
